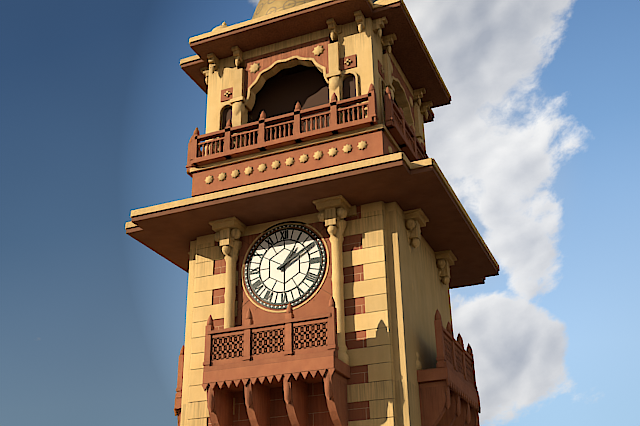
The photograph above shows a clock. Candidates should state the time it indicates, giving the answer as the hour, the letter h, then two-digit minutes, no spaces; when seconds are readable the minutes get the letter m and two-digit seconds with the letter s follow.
1h10
